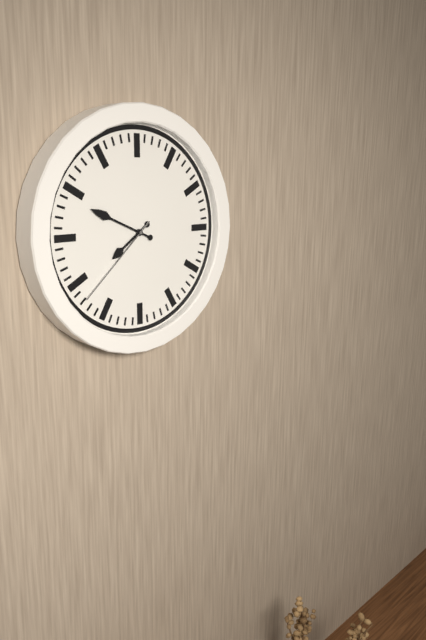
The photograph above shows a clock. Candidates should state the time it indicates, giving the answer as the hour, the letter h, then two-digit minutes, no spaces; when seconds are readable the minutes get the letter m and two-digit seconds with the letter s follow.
7h49m38s
